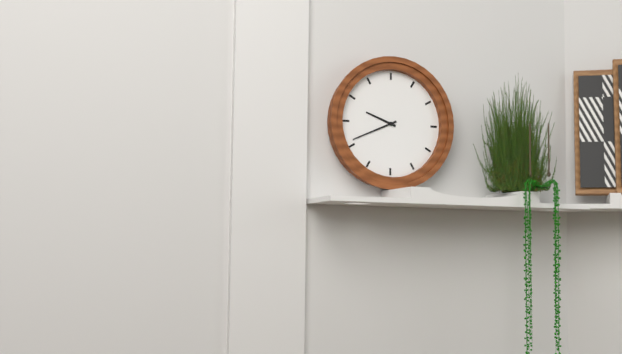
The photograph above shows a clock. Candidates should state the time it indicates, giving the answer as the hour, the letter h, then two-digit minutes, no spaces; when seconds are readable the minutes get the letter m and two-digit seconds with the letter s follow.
9h41
